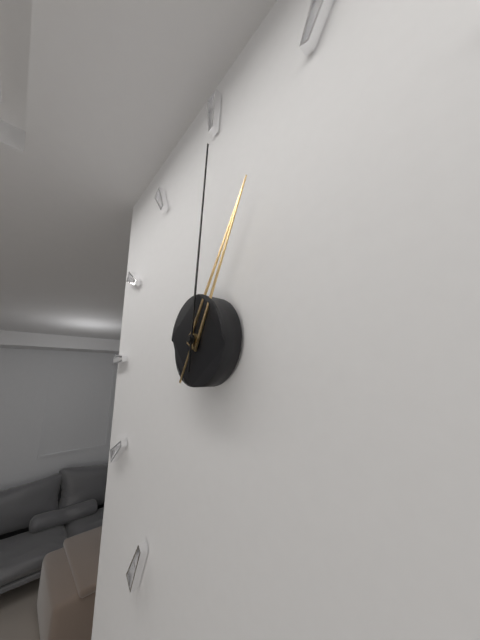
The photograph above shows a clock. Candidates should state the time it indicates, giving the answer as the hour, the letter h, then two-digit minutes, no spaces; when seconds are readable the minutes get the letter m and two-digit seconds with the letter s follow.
1h01
